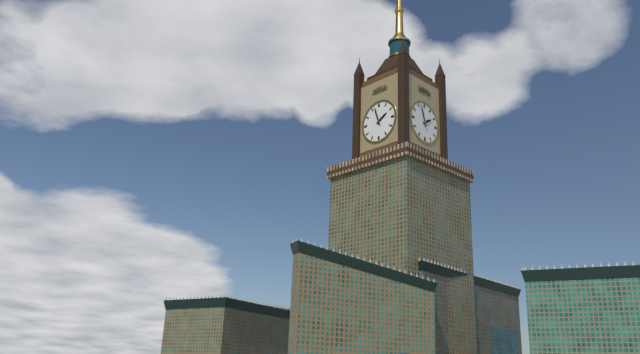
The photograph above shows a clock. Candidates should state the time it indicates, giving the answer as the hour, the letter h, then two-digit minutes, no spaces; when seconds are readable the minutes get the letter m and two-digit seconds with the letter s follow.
1h57
